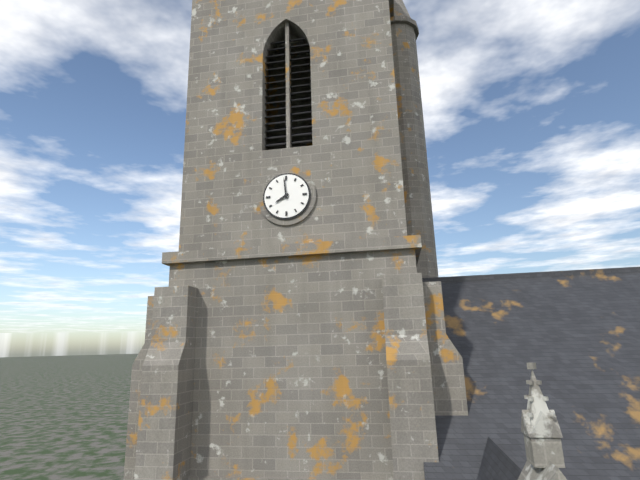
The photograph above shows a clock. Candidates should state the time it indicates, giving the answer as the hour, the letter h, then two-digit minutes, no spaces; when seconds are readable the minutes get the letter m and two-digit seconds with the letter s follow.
7h59
